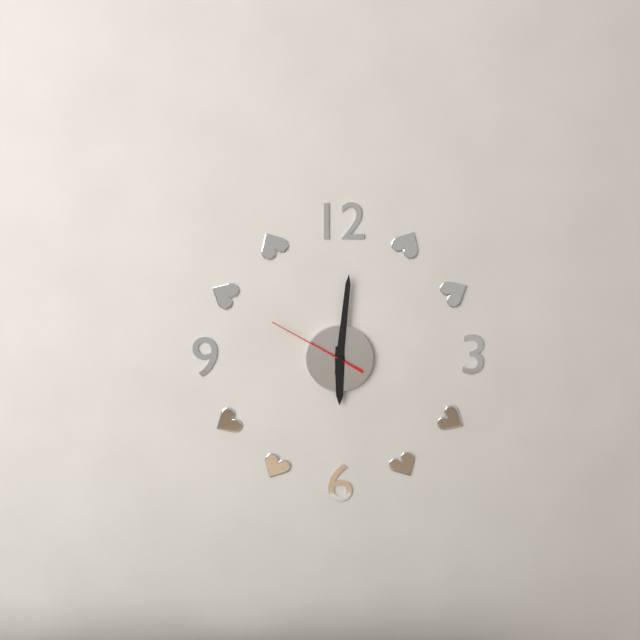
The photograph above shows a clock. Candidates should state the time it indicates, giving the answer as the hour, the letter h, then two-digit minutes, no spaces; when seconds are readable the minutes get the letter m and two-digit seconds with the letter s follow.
6h01m50s
